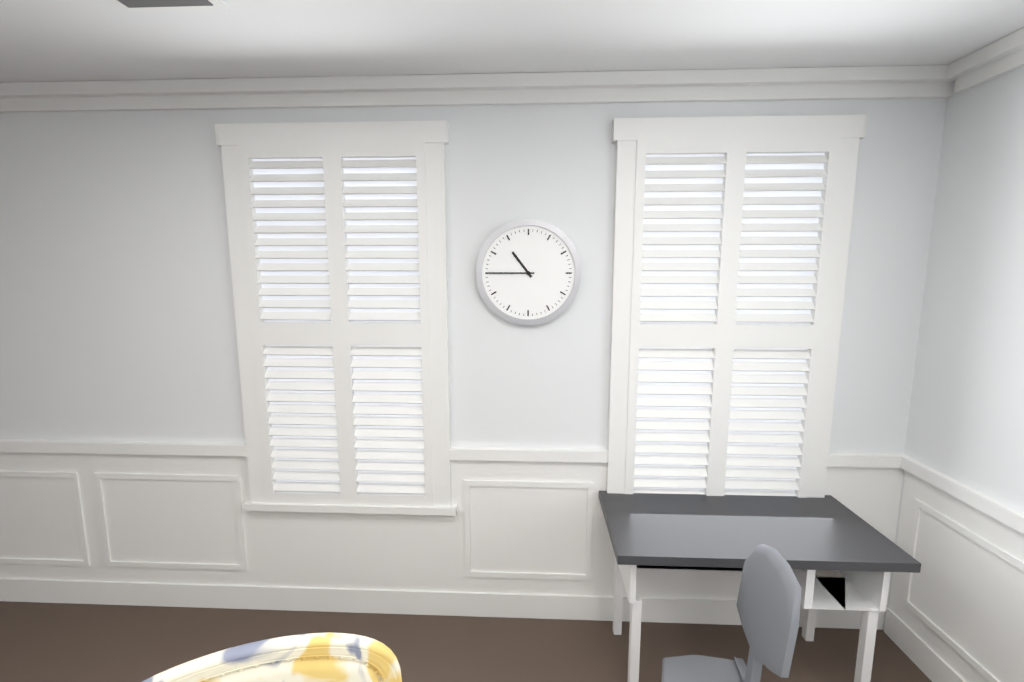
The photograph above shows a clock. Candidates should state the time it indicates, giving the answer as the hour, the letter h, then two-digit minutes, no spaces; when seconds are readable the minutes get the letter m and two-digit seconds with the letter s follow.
10h45
